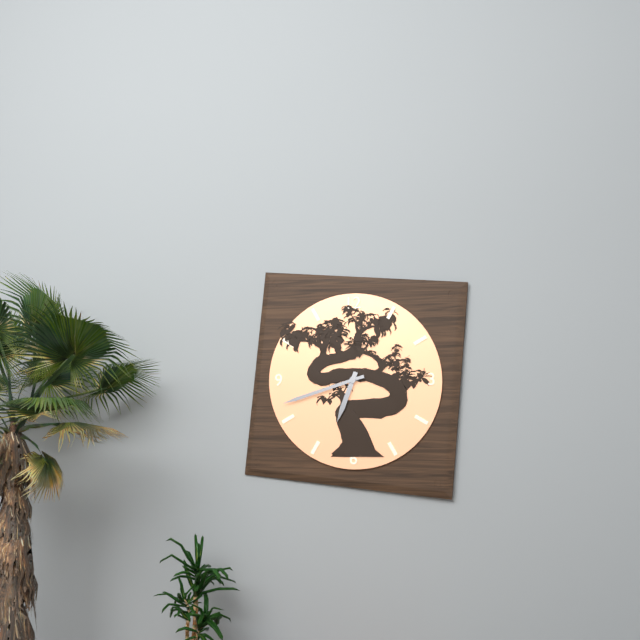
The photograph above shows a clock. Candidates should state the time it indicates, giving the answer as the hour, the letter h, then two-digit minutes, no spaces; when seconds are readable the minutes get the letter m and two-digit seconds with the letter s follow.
6h42
